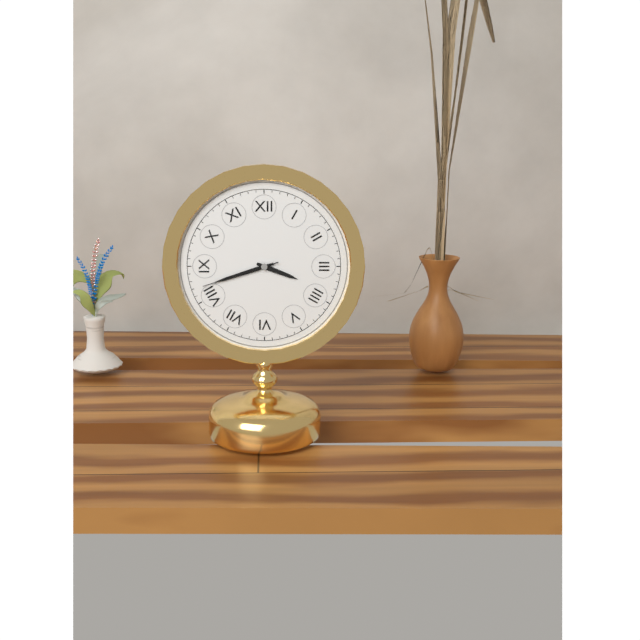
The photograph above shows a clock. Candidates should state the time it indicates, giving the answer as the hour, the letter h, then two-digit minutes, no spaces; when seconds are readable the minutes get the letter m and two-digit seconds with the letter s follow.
3h42m42s
